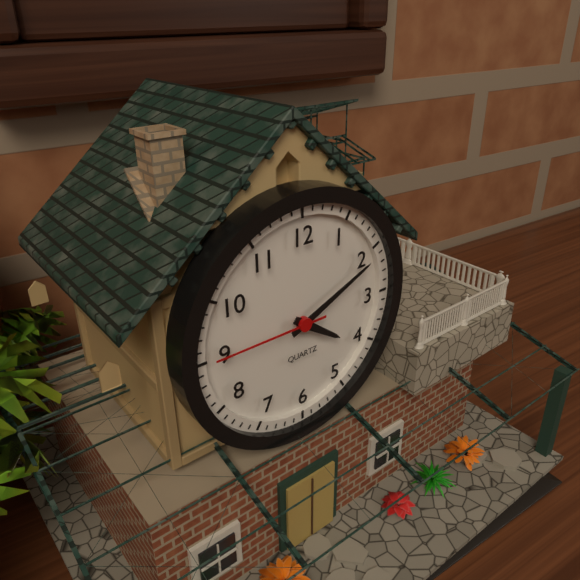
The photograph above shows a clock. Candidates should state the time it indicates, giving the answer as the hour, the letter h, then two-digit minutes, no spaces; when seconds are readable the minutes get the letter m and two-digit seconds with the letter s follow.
4h11m45s
